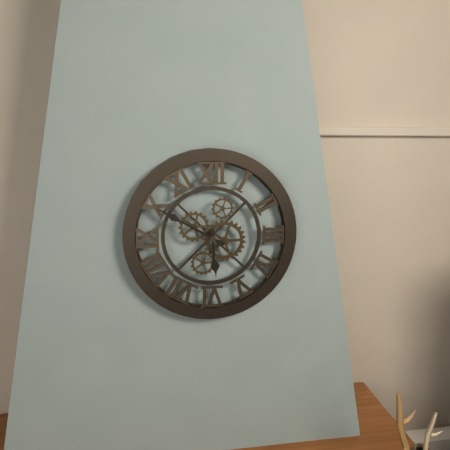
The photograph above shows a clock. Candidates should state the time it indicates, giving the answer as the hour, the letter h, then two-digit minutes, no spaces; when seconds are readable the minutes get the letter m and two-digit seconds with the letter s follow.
5h50
